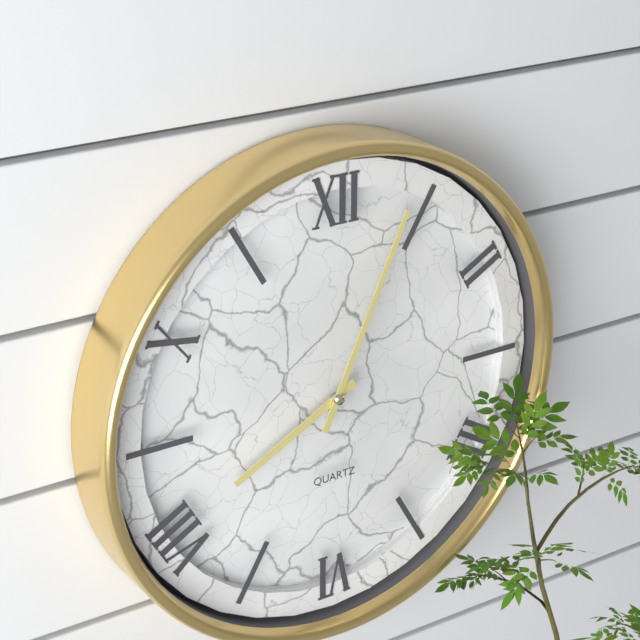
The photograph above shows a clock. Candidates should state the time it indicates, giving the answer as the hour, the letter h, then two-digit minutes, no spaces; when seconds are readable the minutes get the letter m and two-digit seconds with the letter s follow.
8h04
